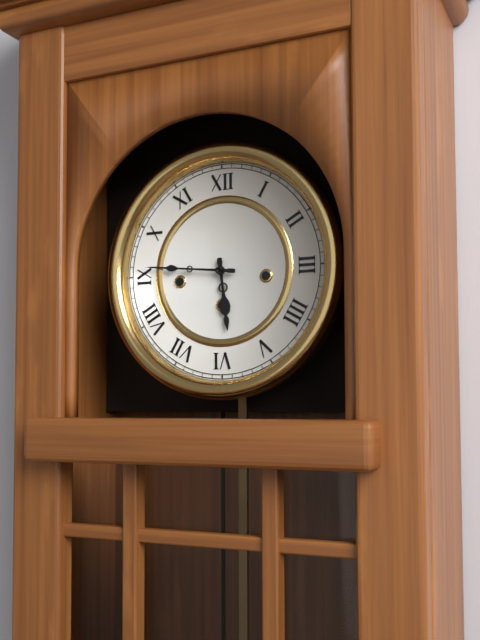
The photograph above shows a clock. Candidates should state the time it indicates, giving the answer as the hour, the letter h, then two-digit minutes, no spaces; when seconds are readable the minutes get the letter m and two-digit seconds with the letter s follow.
5h46
